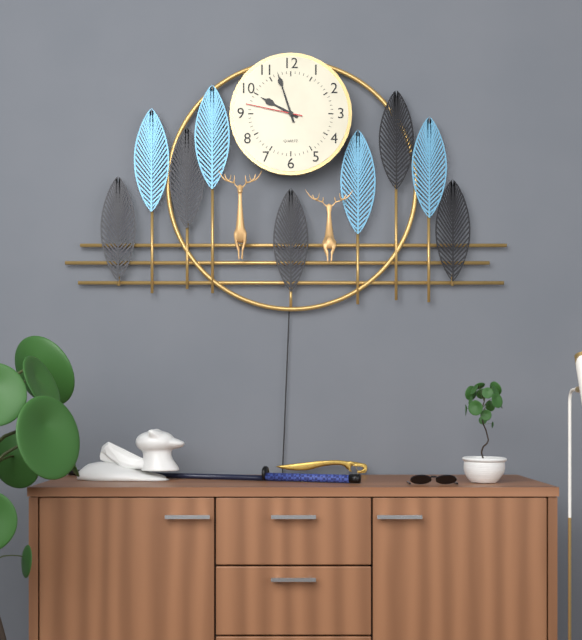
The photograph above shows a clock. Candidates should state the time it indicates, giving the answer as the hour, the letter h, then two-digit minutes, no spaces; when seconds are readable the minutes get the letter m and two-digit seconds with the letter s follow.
9h57m47s
